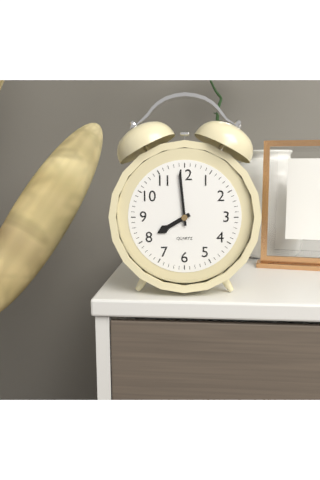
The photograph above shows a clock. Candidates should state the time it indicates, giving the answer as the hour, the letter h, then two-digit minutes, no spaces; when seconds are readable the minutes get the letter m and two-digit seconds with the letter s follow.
7h59
